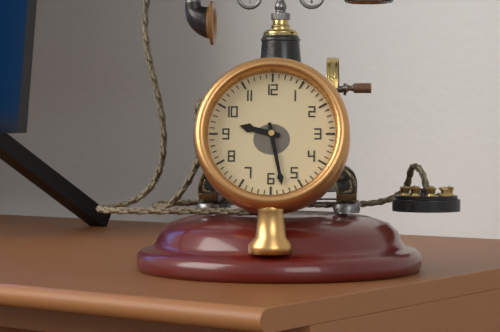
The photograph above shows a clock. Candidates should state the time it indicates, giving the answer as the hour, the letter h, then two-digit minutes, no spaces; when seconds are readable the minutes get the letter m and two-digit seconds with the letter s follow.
9h28
